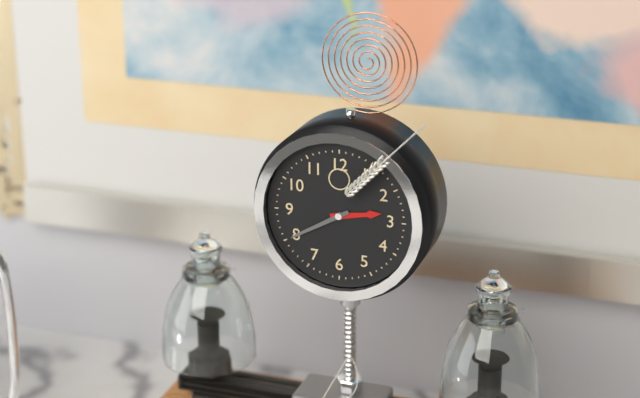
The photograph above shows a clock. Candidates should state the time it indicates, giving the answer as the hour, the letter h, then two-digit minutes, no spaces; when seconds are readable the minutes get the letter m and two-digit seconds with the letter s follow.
2h40
